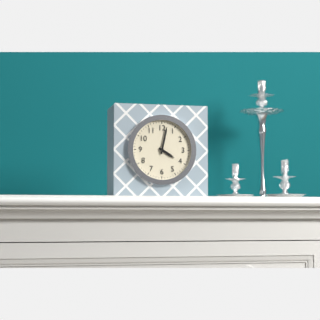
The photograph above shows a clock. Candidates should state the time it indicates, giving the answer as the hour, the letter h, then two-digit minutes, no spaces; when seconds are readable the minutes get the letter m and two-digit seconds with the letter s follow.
4h02
